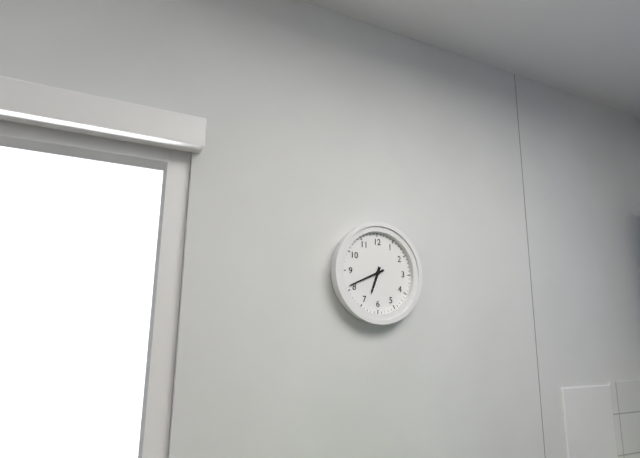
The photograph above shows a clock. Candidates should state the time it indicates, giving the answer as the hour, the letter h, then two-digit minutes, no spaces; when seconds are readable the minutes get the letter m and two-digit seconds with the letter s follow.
6h41
